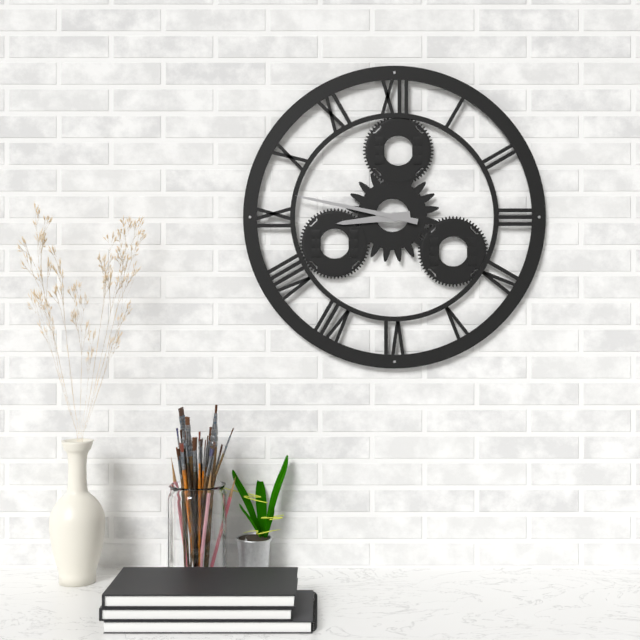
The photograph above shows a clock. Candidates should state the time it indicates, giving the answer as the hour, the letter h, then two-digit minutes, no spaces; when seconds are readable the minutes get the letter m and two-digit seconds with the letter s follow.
8h47
